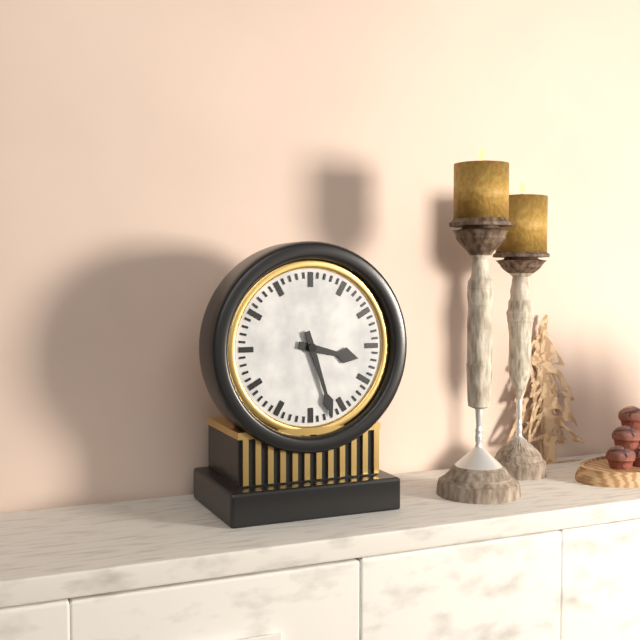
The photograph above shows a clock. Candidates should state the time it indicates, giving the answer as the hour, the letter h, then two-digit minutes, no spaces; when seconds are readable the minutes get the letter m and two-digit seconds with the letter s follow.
3h27
